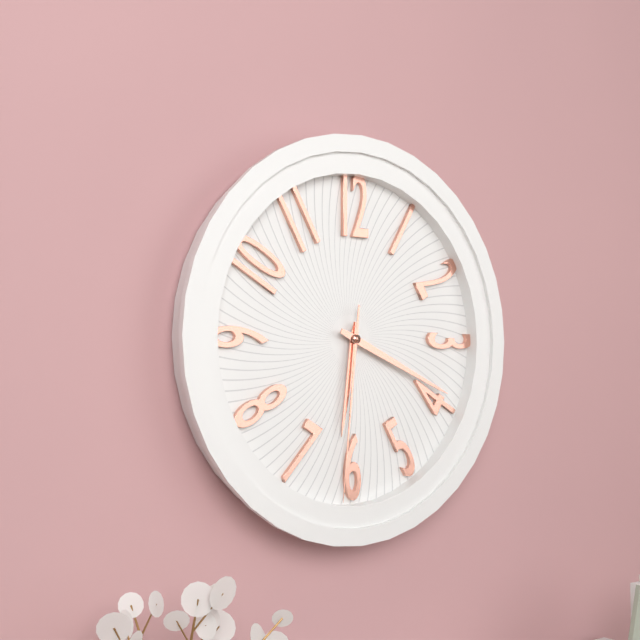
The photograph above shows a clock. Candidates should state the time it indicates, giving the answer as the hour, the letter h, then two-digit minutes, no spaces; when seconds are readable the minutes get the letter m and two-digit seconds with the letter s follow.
6h19m31s
